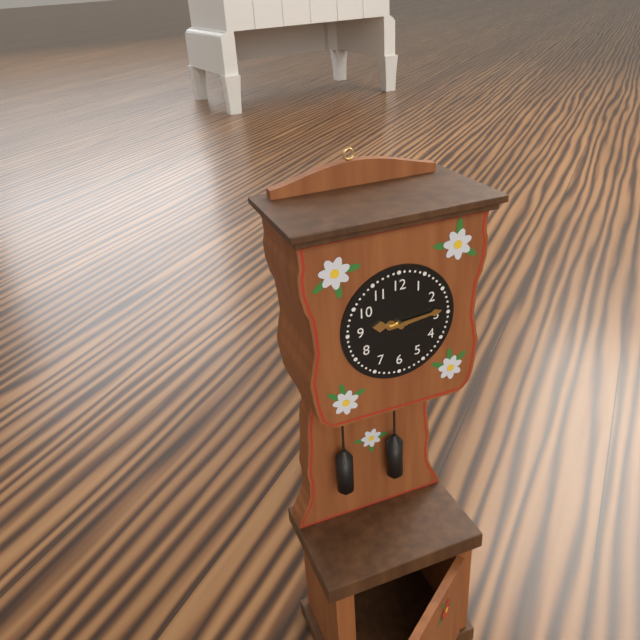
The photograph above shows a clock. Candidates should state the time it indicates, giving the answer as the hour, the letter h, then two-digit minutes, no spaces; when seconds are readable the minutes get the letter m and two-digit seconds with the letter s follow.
9h14
